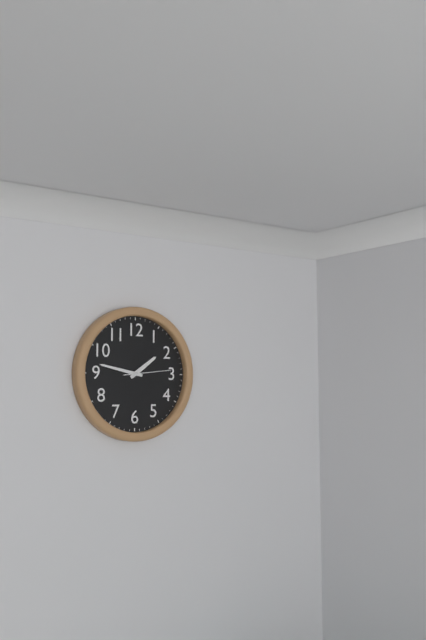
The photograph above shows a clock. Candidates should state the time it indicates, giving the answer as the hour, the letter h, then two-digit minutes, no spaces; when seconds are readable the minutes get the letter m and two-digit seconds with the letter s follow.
1h47
